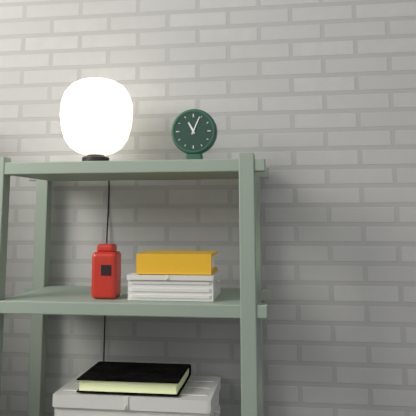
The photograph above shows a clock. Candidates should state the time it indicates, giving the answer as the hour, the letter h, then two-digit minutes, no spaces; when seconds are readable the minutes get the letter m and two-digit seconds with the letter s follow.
11h04
